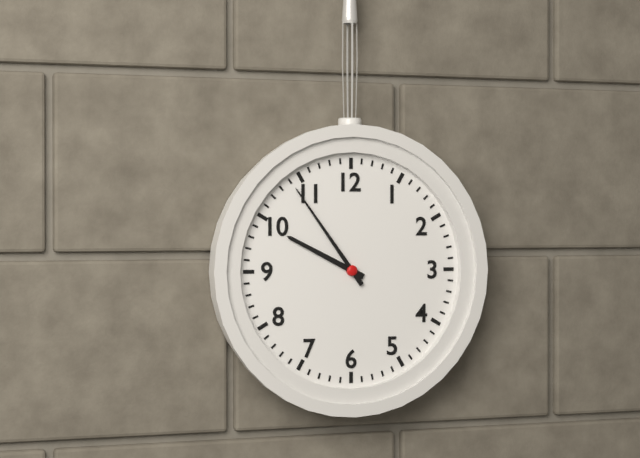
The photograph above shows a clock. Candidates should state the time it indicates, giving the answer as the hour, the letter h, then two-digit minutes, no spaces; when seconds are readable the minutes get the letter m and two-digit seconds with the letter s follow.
9h54
